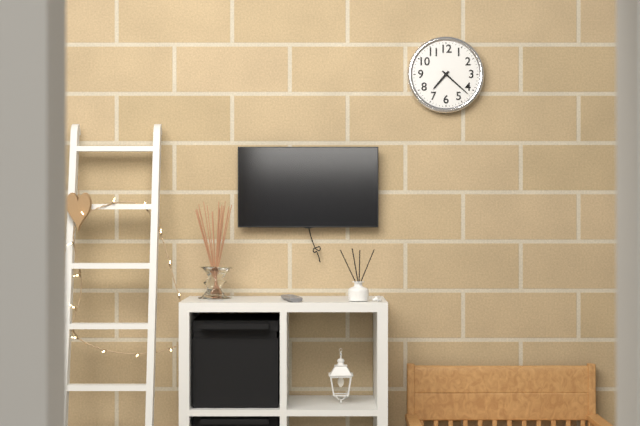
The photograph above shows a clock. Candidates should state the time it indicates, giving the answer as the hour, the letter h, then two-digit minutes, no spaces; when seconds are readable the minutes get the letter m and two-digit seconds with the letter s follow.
7h22
